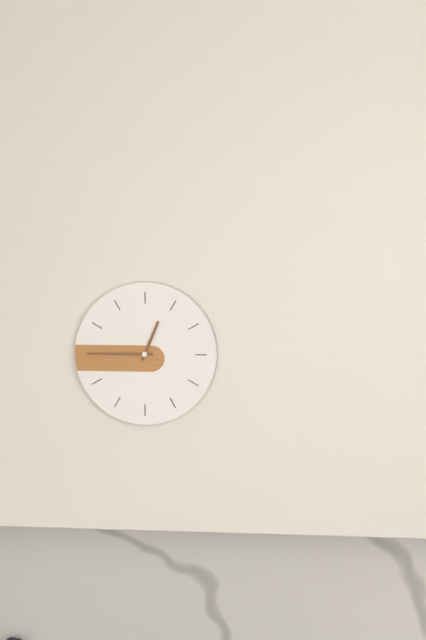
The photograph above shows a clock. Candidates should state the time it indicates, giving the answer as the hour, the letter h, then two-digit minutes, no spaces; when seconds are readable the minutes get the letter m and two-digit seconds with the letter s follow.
12h45
